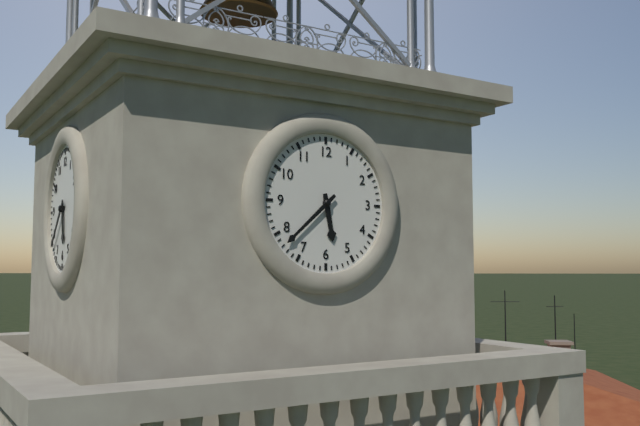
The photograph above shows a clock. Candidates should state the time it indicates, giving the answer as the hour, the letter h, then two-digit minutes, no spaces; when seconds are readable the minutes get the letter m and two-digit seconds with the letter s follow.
5h38
